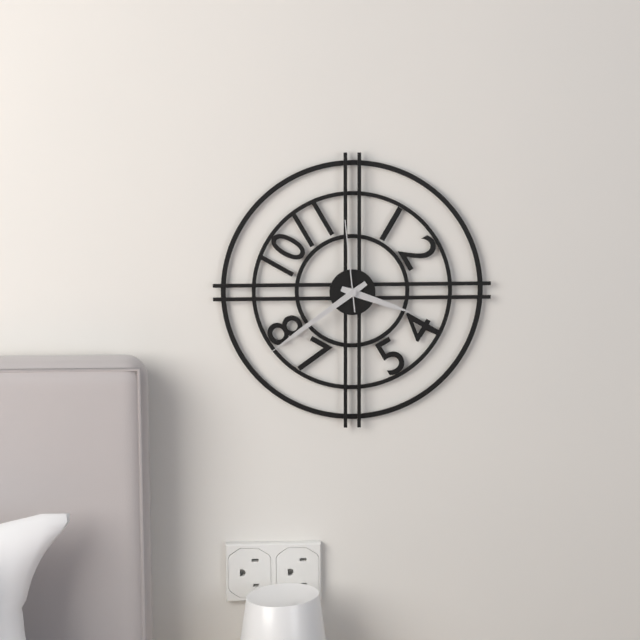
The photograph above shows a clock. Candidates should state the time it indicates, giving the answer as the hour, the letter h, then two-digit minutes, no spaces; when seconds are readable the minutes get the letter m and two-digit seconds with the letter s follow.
3h39m59s
